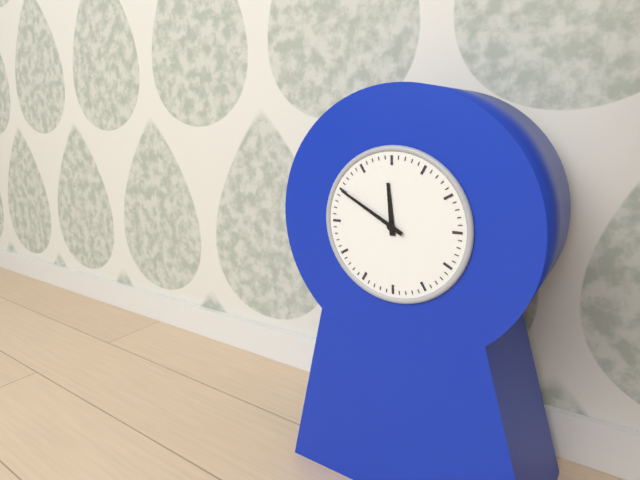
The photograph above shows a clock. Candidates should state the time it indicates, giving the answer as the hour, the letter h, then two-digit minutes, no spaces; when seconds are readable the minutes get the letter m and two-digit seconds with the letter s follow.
11h50
